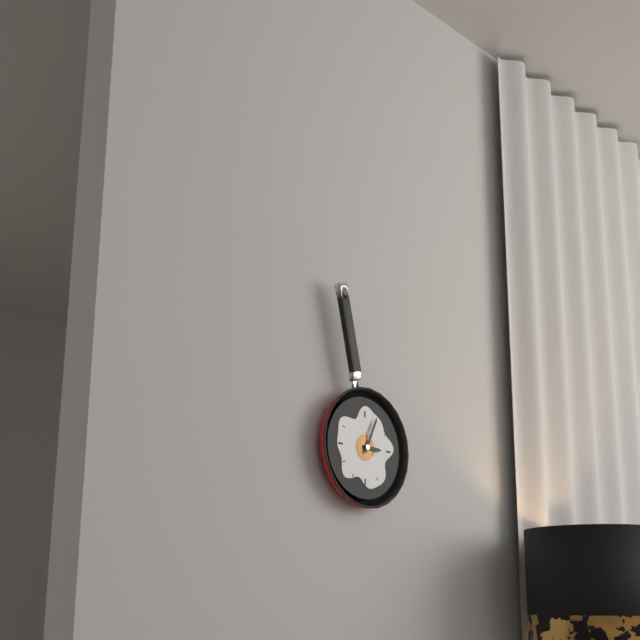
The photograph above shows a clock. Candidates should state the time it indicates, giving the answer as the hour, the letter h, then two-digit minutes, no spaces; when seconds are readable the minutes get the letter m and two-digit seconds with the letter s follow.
3h04
